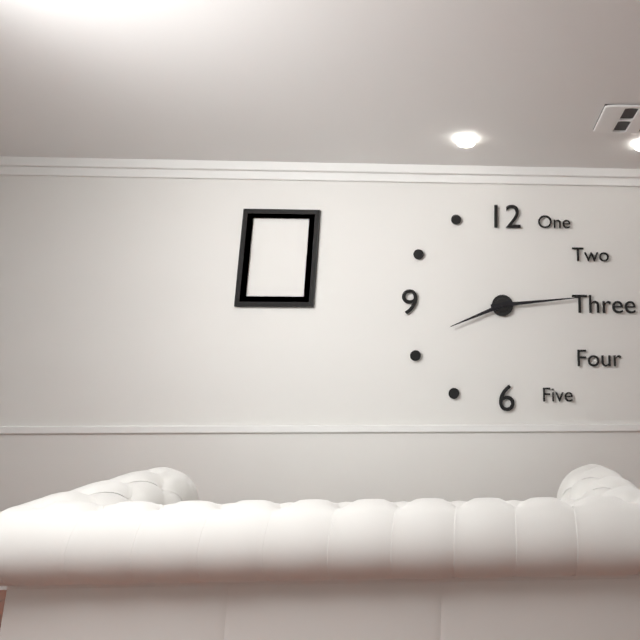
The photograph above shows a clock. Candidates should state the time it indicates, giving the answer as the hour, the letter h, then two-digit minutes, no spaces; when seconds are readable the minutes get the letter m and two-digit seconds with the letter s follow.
8h14
